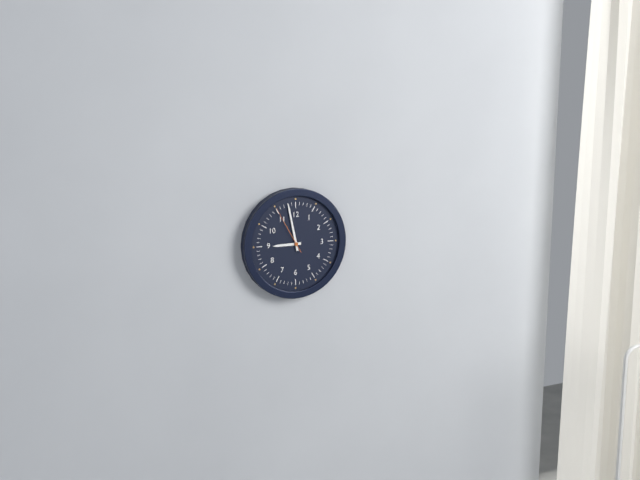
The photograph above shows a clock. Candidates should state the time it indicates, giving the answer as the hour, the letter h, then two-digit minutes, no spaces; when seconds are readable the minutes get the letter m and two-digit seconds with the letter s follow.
8h58m55s
